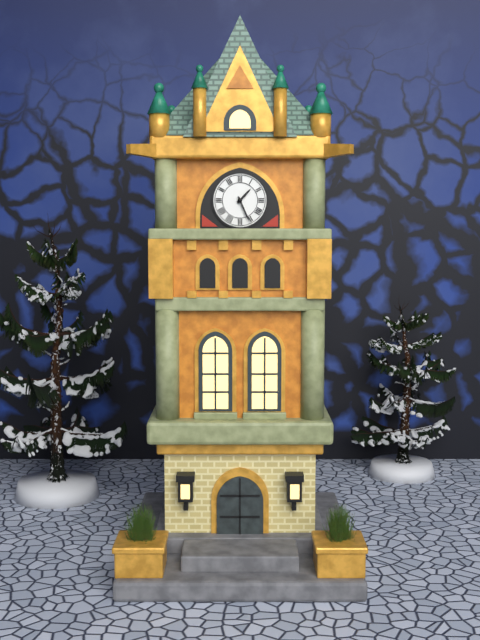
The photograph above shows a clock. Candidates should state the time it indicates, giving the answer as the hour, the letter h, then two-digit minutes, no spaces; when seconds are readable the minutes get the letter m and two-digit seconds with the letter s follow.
1h26
